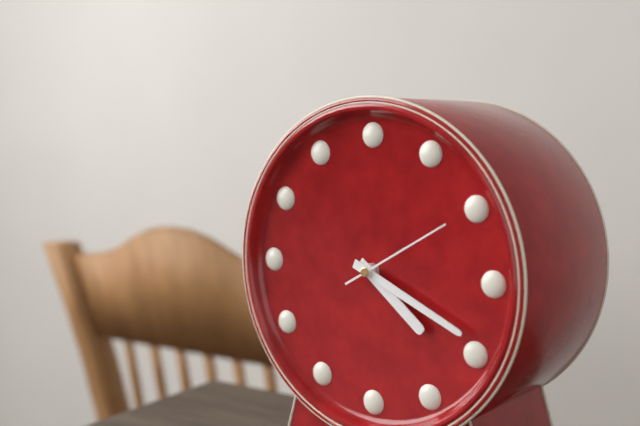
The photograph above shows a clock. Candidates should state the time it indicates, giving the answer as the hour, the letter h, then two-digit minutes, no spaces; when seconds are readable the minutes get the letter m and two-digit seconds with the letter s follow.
4h19m10s
